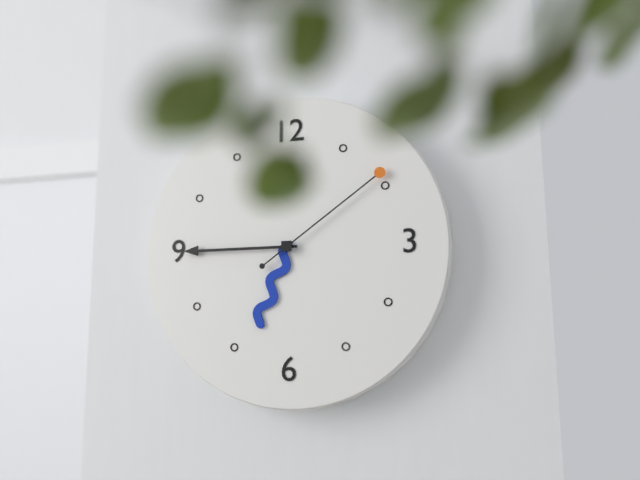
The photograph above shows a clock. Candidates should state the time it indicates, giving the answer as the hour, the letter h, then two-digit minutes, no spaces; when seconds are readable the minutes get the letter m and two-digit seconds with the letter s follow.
6h45m09s
